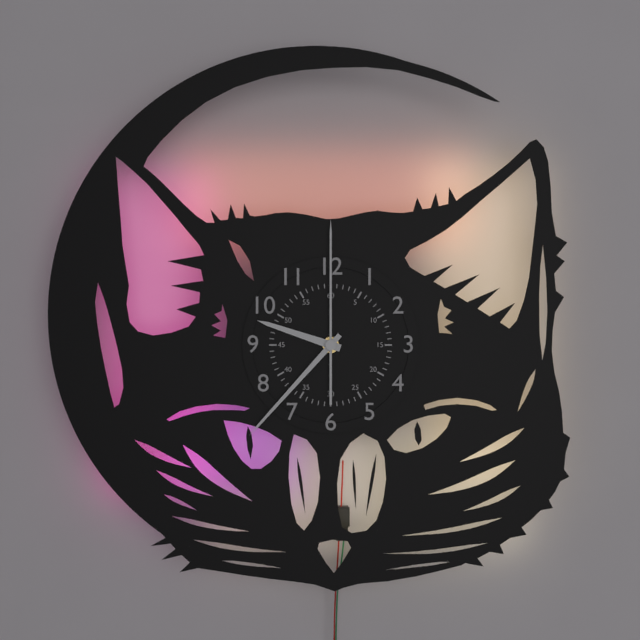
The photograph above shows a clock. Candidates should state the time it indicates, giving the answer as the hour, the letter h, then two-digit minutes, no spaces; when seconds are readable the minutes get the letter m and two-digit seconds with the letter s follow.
9h37m00s
